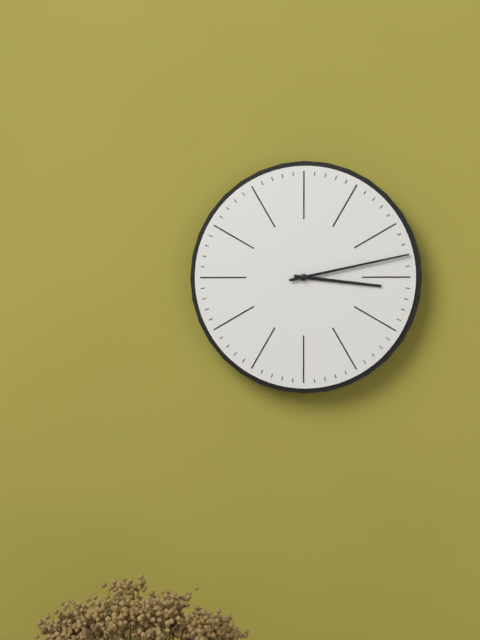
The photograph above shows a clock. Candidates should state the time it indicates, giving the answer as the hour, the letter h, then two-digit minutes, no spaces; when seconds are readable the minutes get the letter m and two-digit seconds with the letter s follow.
3h13
